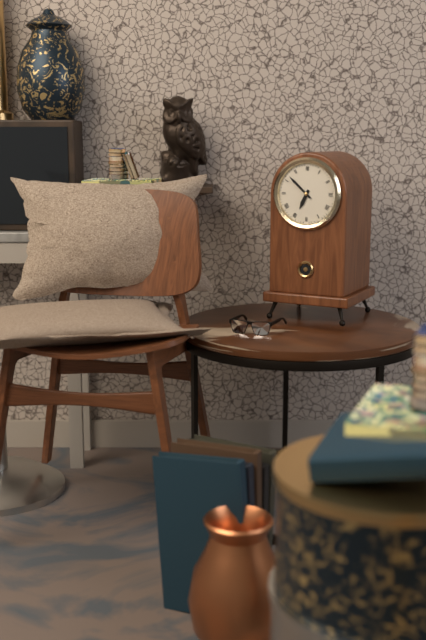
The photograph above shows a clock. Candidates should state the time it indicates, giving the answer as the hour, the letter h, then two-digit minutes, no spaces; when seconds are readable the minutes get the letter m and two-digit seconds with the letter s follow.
6h52
